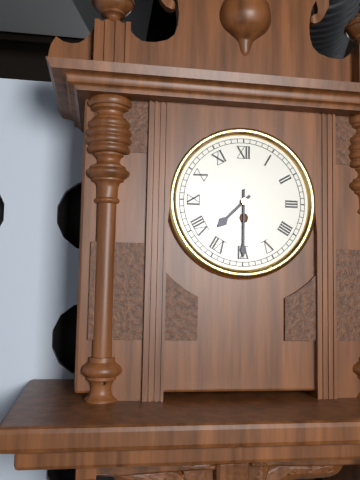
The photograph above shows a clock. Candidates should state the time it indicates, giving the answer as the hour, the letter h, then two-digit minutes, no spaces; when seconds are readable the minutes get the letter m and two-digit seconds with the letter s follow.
7h30
